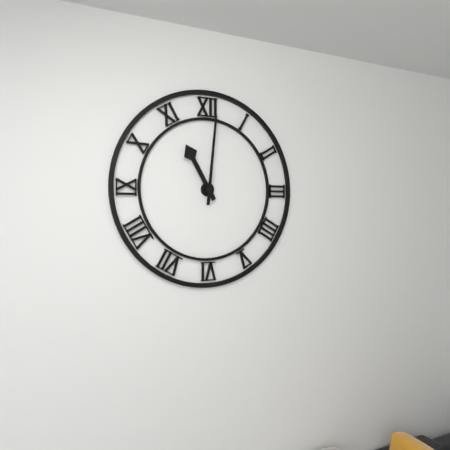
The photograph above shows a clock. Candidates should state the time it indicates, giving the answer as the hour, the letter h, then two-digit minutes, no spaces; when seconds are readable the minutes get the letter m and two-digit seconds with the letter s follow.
11h01
